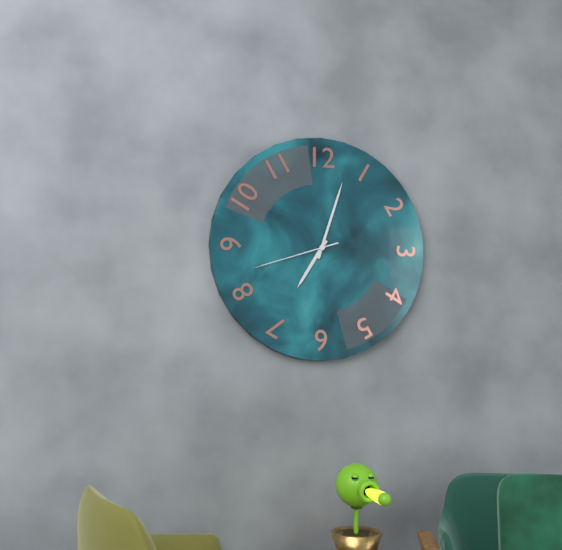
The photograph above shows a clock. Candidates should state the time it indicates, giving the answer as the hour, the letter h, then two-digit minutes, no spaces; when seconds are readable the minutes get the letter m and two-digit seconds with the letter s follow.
7h03m42s
